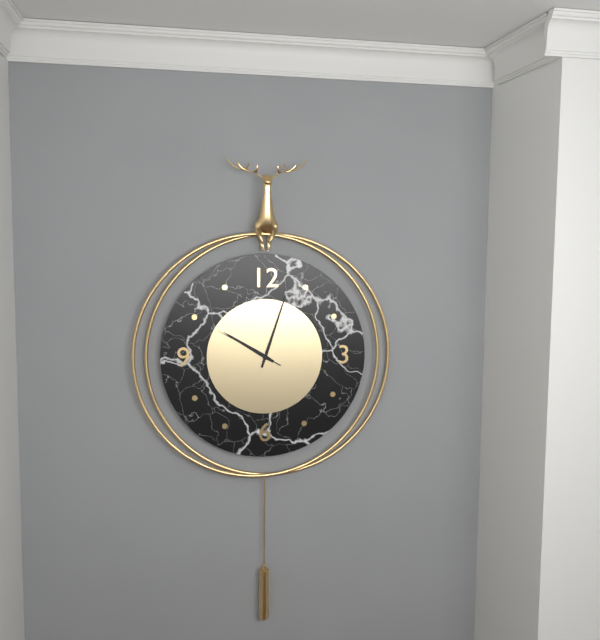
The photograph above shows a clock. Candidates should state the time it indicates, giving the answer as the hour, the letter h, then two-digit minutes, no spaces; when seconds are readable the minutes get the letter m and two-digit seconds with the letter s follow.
10h03m50s
